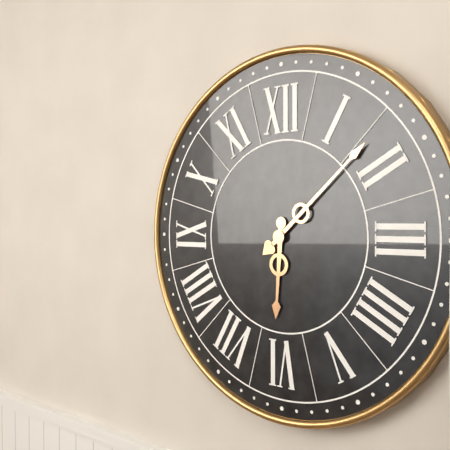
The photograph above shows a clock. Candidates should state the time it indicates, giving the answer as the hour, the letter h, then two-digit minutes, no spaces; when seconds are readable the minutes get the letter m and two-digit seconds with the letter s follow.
6h08
